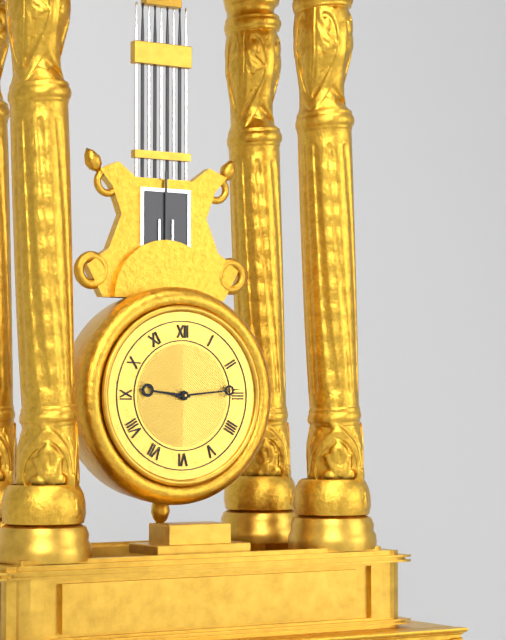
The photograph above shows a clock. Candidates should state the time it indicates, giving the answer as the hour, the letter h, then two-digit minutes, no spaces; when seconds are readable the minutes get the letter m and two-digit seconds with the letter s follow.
9h14
